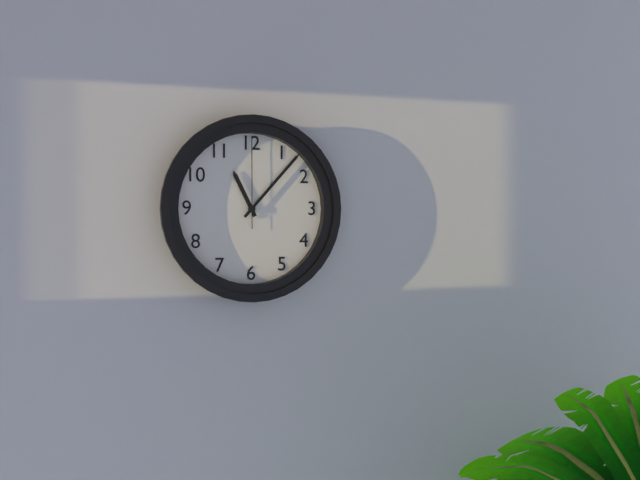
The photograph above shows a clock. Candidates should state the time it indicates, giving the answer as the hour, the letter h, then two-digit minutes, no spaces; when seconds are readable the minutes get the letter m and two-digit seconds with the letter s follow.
11h07m00s
